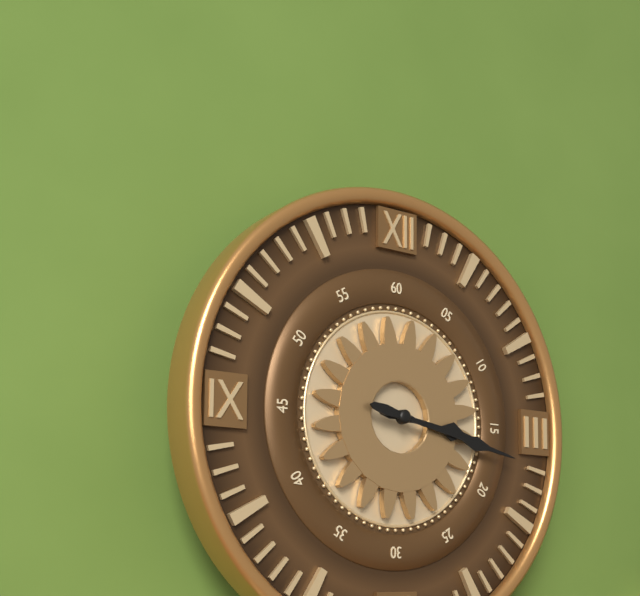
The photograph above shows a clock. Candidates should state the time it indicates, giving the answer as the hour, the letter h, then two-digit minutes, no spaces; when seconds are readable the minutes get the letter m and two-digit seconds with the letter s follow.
3h17
